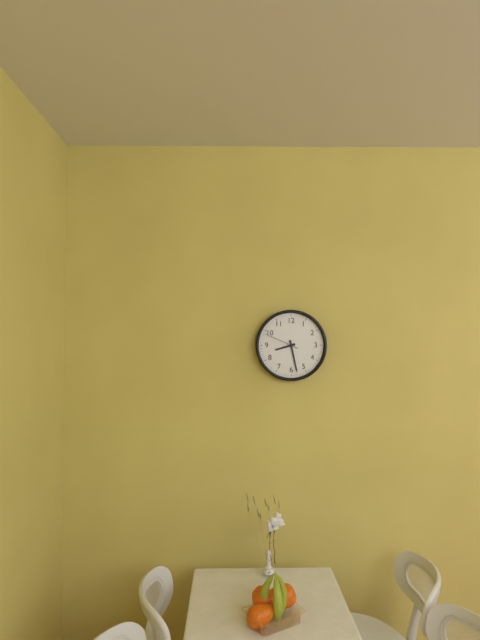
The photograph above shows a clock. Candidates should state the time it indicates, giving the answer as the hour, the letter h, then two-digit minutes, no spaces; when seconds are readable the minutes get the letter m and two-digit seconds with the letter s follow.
8h28
